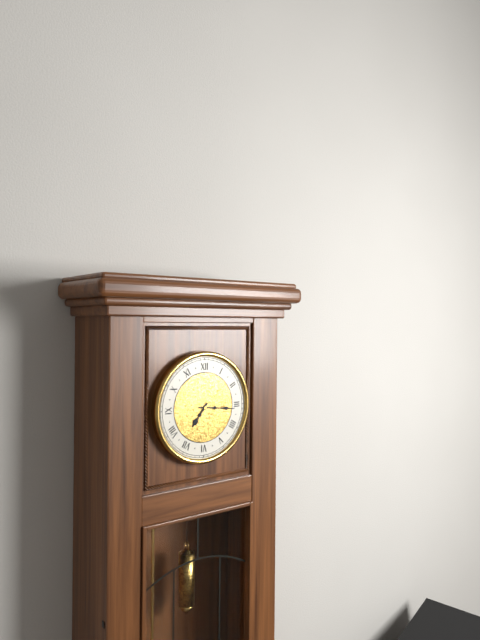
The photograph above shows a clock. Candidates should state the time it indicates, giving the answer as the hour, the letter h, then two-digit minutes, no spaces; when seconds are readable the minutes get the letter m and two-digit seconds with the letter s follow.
7h16
